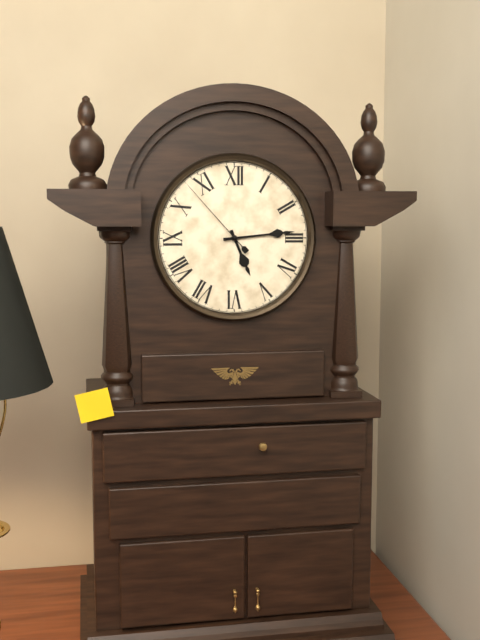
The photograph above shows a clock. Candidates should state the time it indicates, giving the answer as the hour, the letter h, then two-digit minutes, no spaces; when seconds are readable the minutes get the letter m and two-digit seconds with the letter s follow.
5h14m53s
